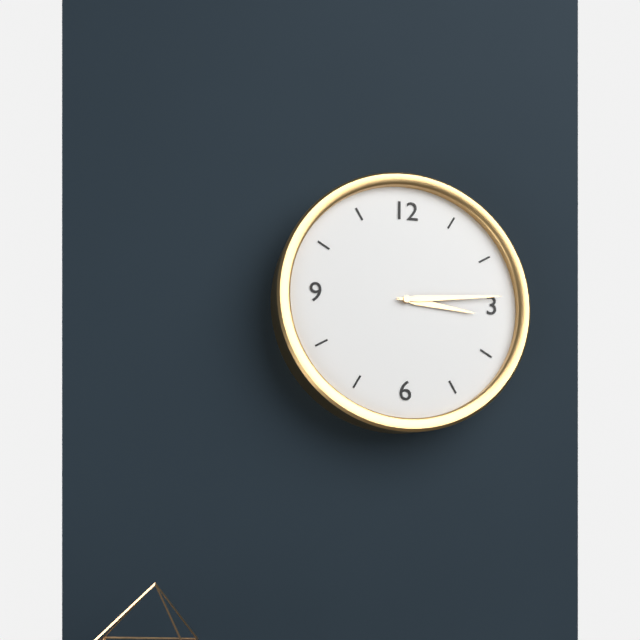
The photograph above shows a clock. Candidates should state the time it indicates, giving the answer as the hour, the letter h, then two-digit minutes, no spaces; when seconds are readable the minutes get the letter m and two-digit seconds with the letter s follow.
3h14
